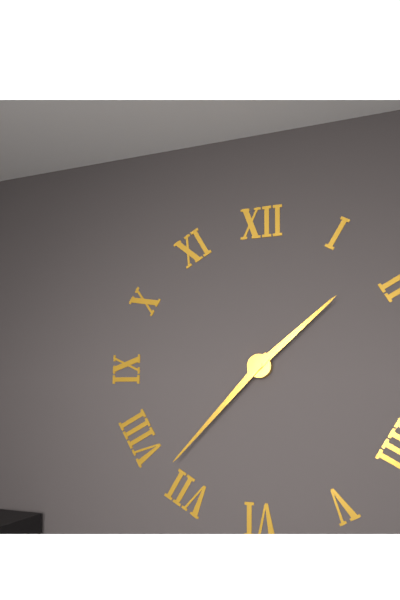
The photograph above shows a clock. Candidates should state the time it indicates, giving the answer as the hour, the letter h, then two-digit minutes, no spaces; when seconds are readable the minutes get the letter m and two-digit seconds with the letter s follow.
1h37
